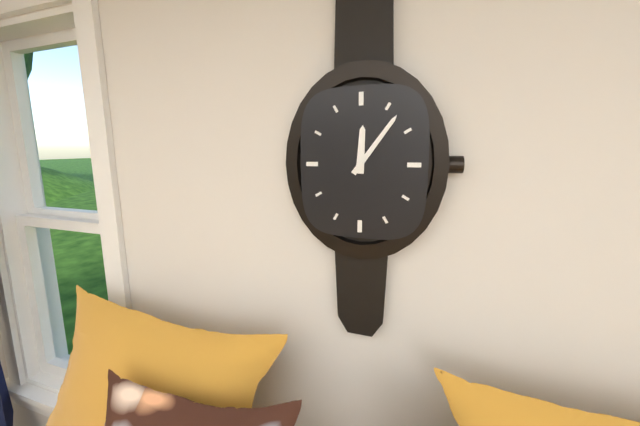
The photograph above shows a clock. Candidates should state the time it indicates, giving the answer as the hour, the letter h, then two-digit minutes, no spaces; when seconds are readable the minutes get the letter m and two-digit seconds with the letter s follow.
12h06
